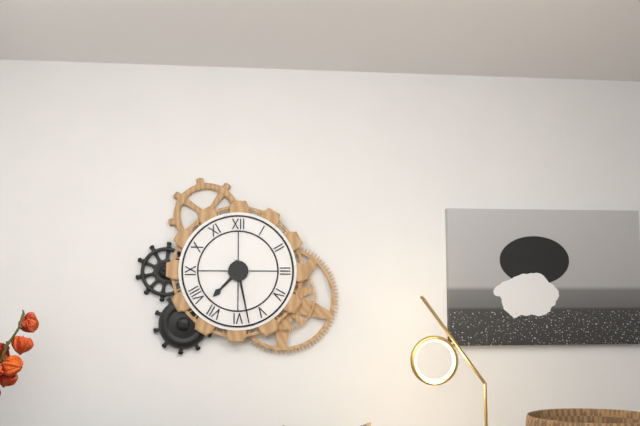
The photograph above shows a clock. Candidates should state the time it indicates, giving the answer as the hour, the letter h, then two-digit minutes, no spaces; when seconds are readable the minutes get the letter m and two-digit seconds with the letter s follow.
7h28
